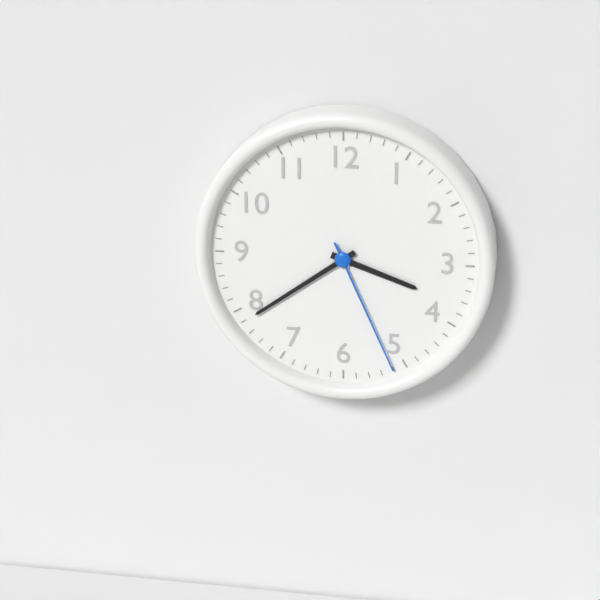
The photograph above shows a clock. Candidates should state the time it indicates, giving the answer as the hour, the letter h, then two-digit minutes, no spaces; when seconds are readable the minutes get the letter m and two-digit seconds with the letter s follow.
3h39m26s
